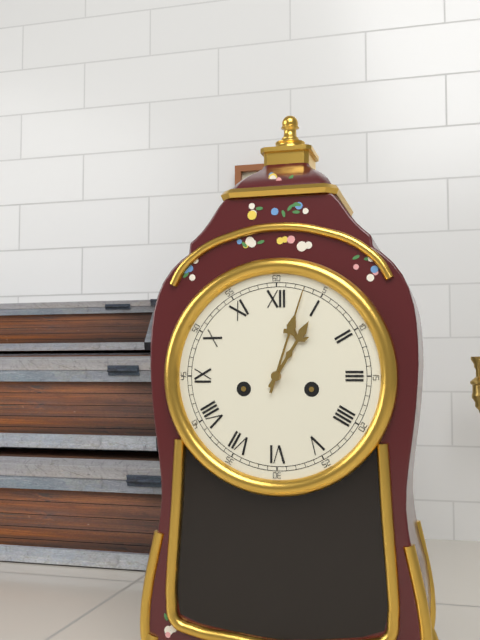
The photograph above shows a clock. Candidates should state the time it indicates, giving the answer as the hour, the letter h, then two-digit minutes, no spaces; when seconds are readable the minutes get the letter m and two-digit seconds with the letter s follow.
1h03
